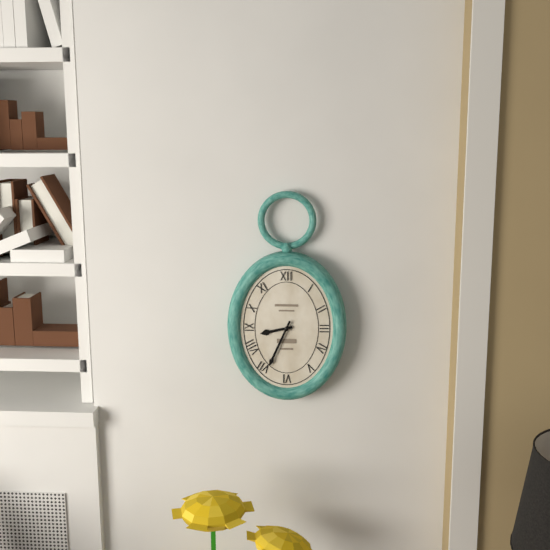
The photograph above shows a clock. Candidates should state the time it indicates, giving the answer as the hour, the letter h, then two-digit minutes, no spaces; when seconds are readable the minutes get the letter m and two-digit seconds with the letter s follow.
8h34
